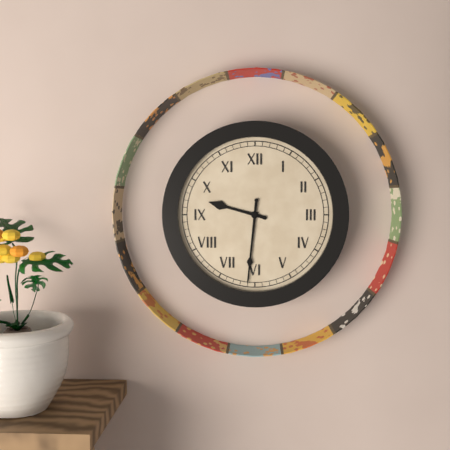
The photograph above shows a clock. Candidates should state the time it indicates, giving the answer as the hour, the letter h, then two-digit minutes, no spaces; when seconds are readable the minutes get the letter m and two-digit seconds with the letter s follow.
9h31
